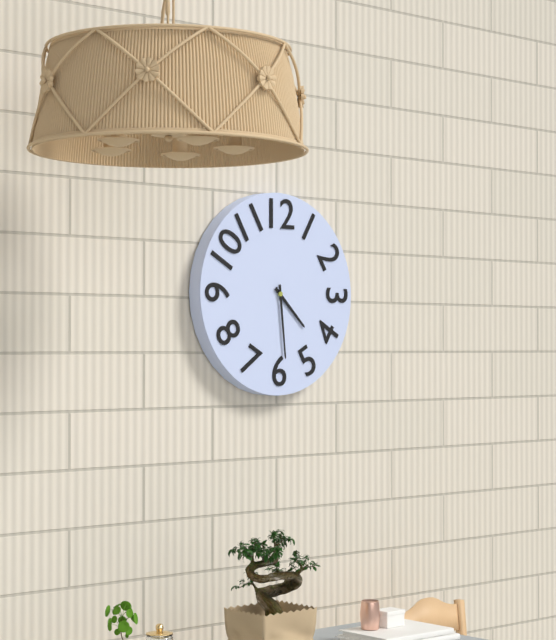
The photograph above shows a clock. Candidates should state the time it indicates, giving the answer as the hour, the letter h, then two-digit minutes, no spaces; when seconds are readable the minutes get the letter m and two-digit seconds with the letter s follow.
4h29
